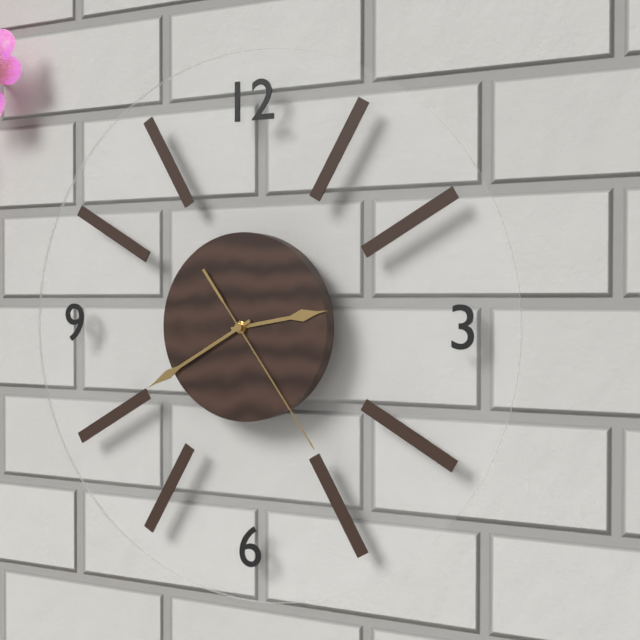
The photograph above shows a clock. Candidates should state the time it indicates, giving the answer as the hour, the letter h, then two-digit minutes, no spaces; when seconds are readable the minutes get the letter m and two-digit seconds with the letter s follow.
2h40m24s
